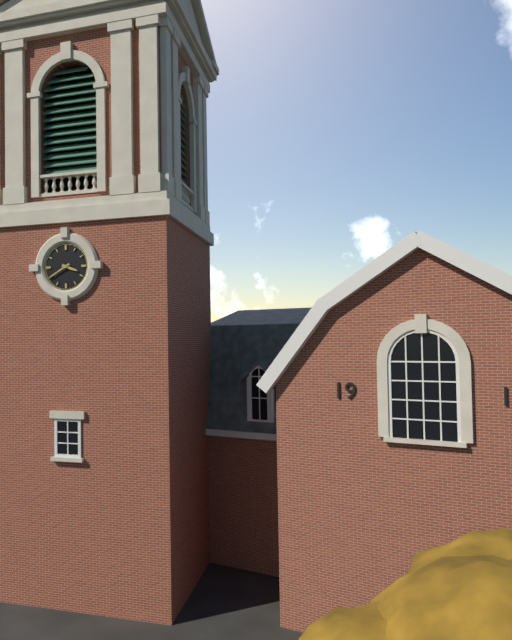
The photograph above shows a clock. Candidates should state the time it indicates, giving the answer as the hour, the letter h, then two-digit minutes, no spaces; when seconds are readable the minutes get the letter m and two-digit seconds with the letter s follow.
3h40
